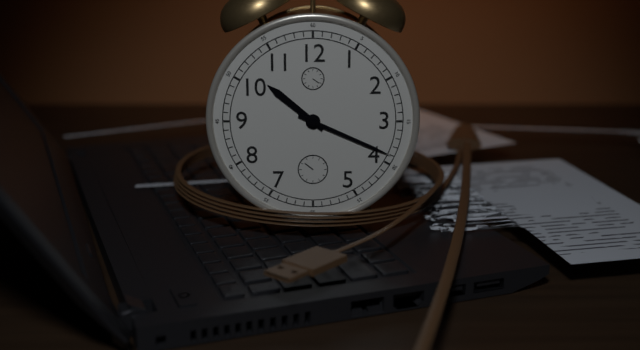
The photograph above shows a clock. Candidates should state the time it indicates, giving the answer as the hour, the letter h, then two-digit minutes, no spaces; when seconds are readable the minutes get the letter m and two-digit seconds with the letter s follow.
10h19
